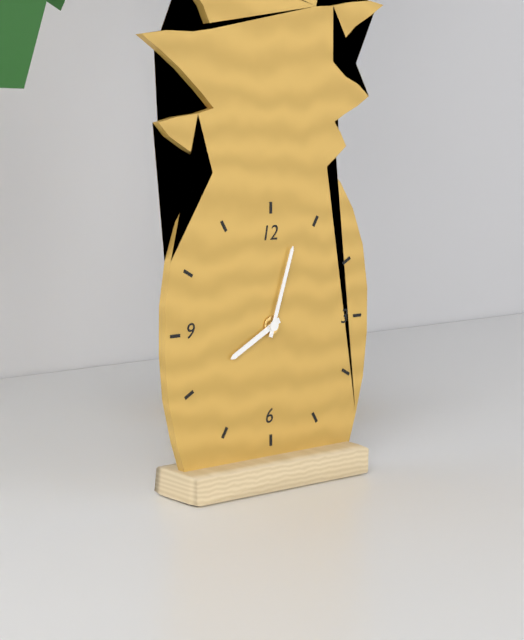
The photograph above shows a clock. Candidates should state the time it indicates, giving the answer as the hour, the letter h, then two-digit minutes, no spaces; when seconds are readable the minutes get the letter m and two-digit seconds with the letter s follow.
8h03
